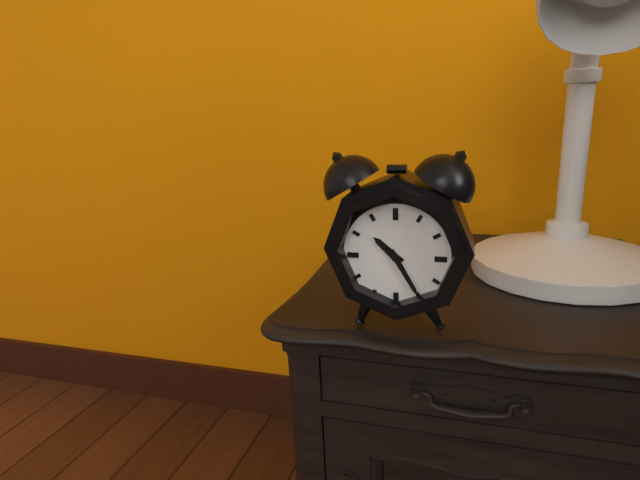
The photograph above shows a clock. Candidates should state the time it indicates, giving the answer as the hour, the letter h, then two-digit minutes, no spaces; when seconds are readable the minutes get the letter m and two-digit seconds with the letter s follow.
10h25
